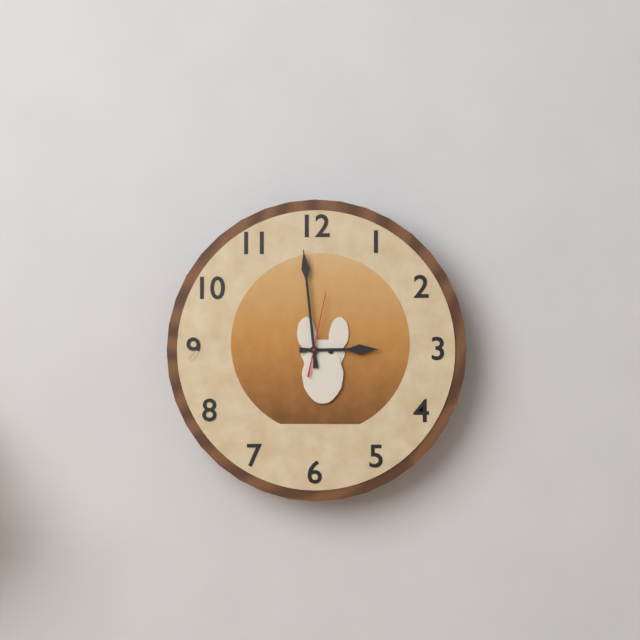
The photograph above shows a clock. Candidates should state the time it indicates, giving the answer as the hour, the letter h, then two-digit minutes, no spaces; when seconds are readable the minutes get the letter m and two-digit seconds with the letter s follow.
2h59m02s
